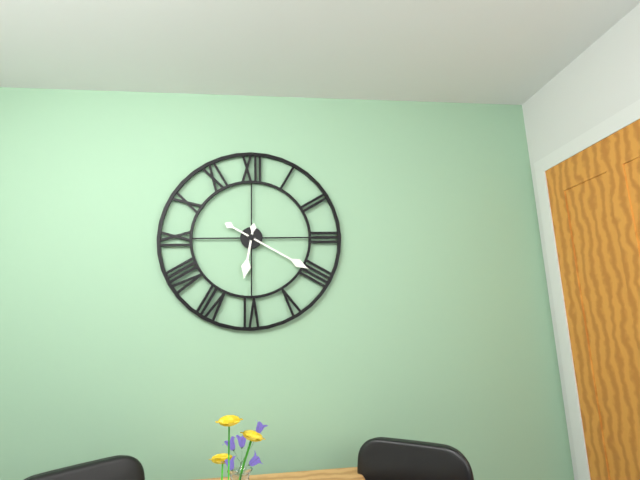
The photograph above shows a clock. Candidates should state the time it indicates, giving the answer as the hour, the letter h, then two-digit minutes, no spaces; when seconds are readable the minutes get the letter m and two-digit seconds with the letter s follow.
6h20
